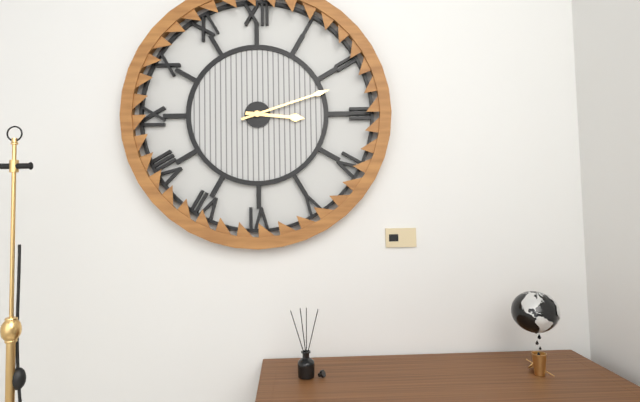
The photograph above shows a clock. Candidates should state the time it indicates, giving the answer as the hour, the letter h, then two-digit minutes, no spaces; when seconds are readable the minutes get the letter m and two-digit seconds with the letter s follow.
3h12
